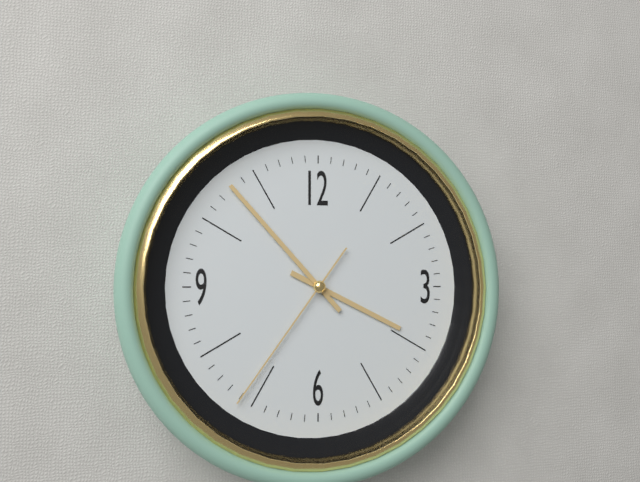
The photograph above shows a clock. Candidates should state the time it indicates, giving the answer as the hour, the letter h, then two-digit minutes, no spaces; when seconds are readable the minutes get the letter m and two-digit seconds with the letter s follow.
3h53m36s
